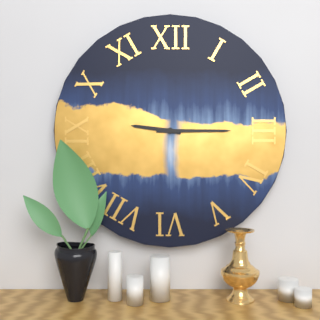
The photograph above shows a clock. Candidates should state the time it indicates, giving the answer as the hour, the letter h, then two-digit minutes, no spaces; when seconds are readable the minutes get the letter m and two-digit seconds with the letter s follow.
9h15
